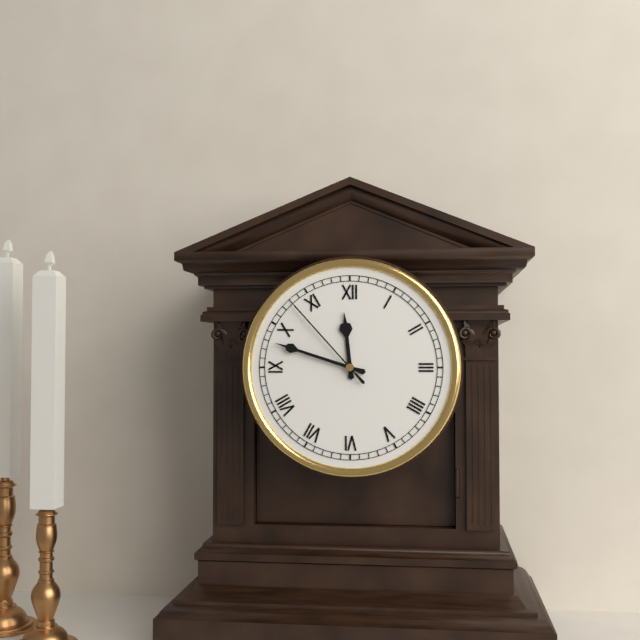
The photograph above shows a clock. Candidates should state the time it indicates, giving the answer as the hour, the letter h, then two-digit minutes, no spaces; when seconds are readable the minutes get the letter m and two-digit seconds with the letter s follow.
11h48m53s
